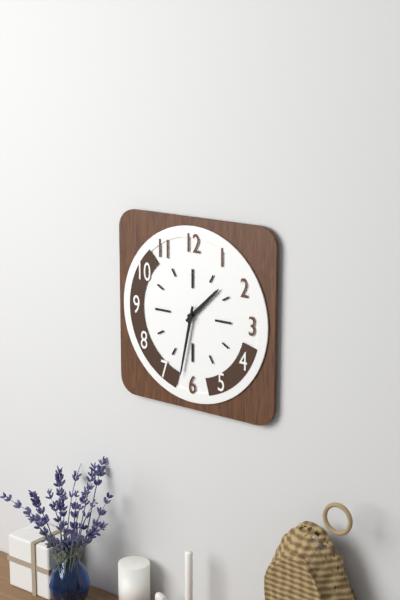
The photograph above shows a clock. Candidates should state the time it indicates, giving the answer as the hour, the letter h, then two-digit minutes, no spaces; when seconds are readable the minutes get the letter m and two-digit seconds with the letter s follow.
1h32
